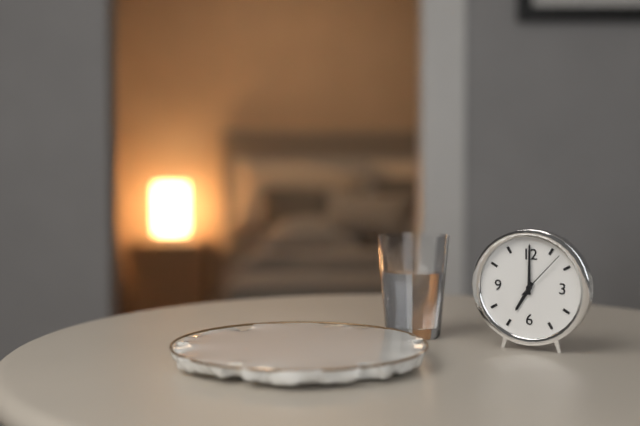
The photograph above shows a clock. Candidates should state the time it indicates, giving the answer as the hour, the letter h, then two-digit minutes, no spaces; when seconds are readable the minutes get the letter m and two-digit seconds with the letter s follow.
7h00m07s
